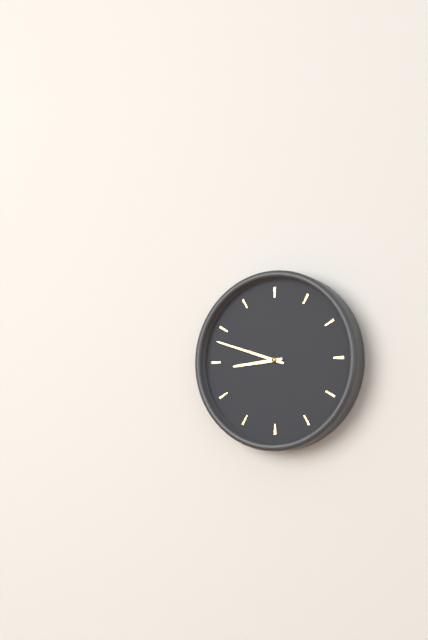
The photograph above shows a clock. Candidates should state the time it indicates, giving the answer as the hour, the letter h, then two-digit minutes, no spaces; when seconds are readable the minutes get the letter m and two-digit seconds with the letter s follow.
8h48
